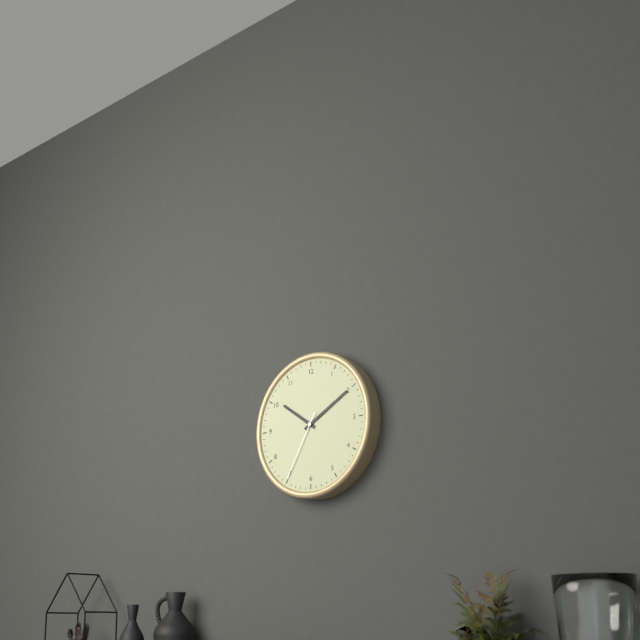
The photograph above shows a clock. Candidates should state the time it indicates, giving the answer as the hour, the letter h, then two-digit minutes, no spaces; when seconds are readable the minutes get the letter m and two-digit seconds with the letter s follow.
10h10m35s
